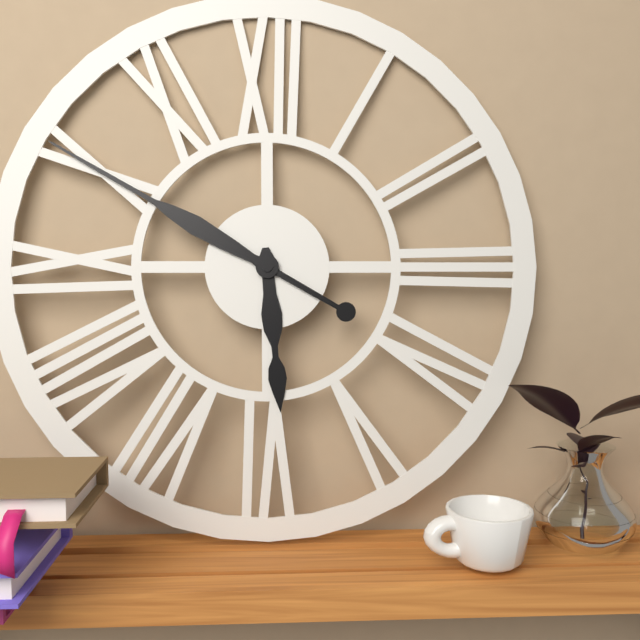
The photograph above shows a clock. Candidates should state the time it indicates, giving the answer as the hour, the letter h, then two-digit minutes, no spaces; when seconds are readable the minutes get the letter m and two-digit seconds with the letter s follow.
5h50
